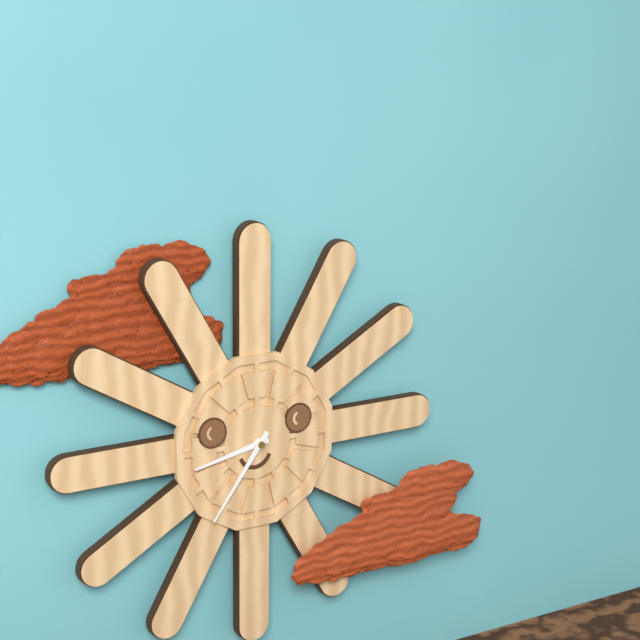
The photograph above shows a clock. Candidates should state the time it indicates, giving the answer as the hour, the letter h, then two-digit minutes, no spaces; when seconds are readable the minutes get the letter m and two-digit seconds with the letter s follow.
8h36
